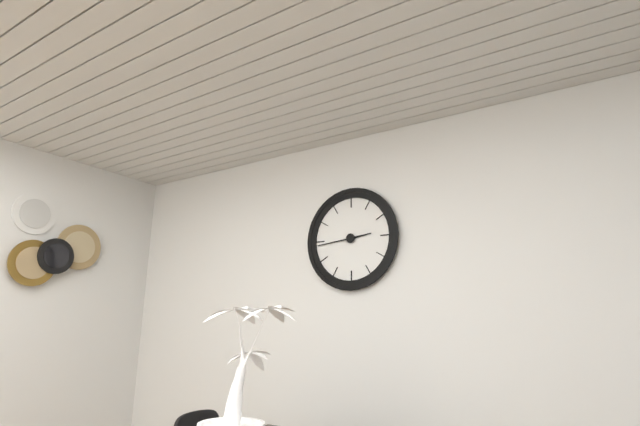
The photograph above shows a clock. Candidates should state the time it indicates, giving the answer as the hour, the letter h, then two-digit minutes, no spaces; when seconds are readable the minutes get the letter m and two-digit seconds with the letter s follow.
2h44
